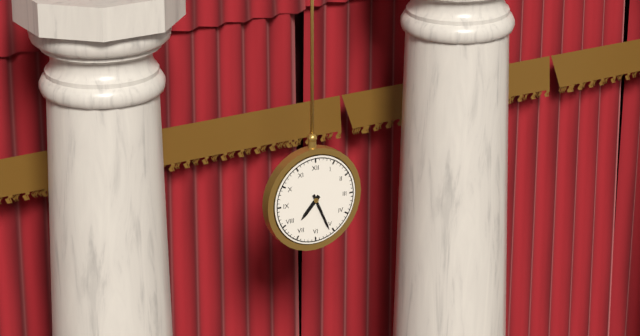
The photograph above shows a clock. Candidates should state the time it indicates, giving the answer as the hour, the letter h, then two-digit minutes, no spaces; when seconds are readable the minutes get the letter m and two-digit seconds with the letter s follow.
7h26
